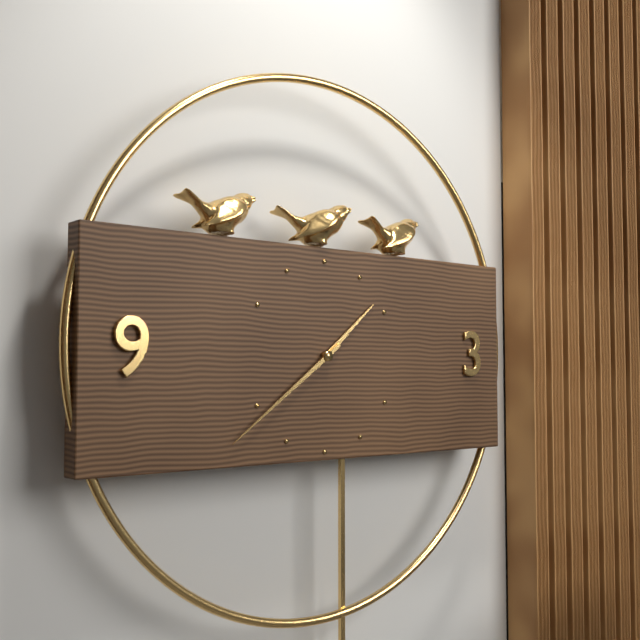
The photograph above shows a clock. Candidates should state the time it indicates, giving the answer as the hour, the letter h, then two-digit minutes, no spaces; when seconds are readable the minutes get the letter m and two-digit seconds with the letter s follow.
1h39
